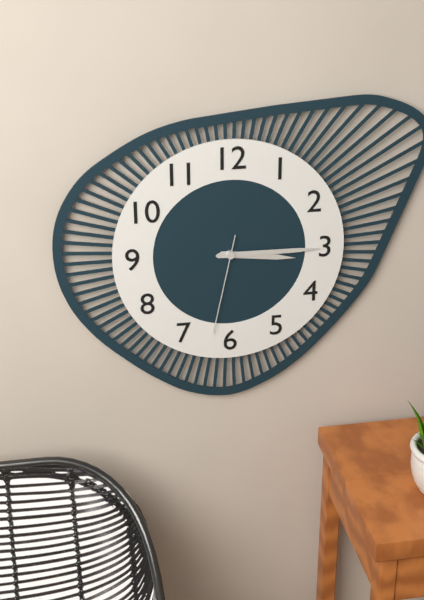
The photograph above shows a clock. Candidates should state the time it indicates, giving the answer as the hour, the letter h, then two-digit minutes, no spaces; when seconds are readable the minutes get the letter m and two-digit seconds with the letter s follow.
3h15m32s
